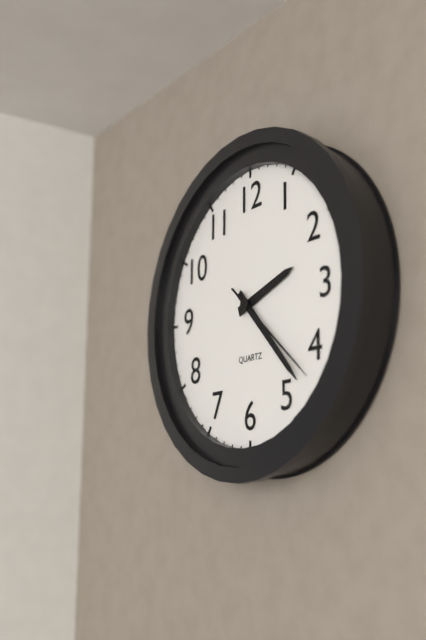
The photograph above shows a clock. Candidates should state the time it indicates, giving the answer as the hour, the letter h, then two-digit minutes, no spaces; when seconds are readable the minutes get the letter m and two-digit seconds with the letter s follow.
2h23m22s
